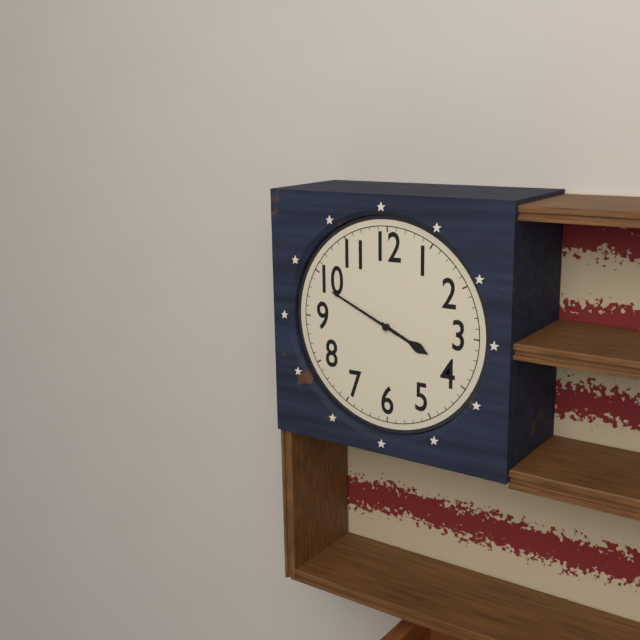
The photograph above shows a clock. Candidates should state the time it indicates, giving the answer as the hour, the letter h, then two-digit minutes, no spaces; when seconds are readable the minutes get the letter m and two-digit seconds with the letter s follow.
3h49
